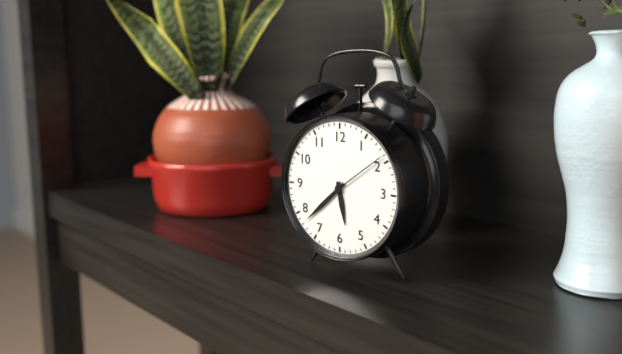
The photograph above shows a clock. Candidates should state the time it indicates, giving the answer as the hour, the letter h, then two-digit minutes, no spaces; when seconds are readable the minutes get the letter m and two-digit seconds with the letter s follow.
5h38m09s
